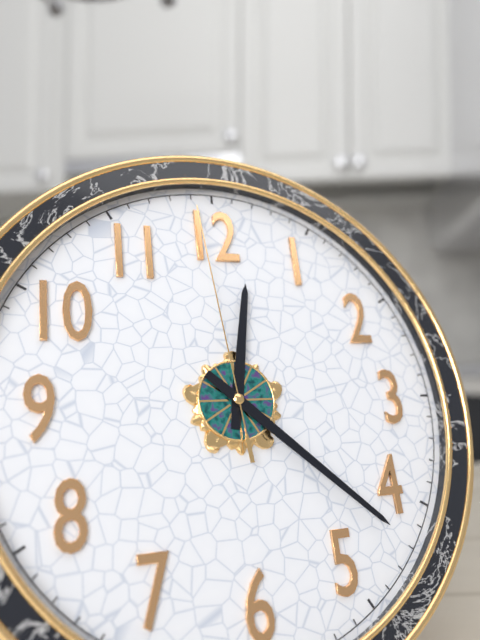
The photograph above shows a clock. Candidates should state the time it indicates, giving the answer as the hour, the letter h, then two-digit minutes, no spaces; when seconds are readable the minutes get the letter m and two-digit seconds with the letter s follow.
12h22m59s
